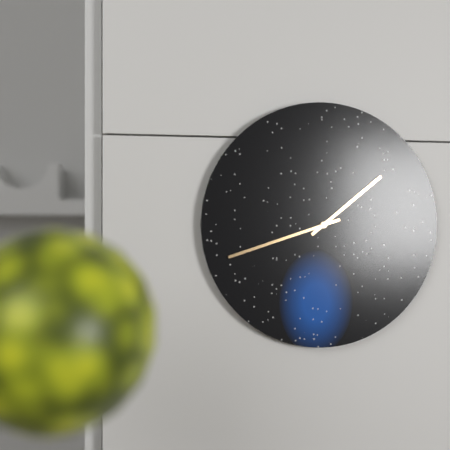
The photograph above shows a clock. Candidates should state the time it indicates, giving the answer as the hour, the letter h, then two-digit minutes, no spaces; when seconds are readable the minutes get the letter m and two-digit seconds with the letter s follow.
1h42
